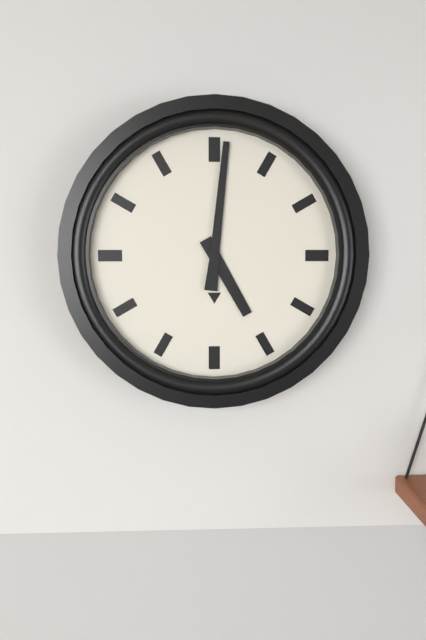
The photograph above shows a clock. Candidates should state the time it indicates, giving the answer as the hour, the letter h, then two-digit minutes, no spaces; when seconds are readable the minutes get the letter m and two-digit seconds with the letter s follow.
5h01
